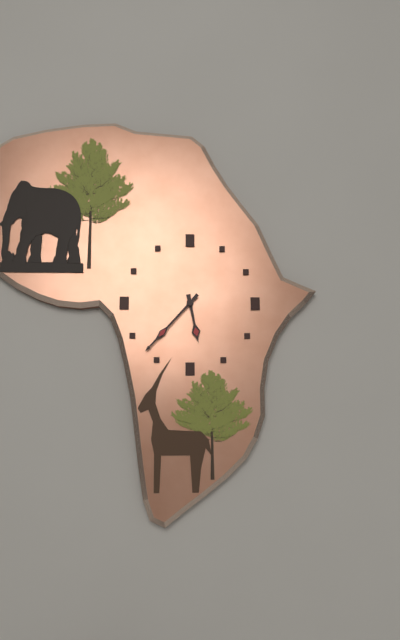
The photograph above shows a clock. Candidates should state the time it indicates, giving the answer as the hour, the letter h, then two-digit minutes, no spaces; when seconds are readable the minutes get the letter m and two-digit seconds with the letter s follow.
5h37
